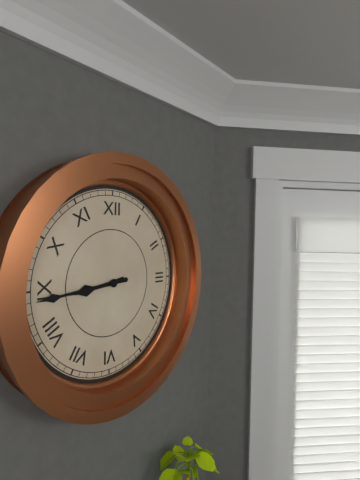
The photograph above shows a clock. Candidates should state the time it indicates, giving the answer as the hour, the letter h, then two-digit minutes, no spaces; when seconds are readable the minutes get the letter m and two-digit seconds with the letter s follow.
8h44
